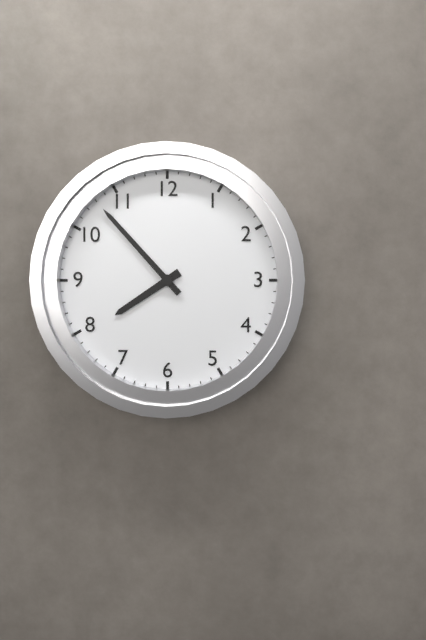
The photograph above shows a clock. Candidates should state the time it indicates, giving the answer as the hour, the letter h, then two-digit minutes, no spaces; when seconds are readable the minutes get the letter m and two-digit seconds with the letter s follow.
7h53
